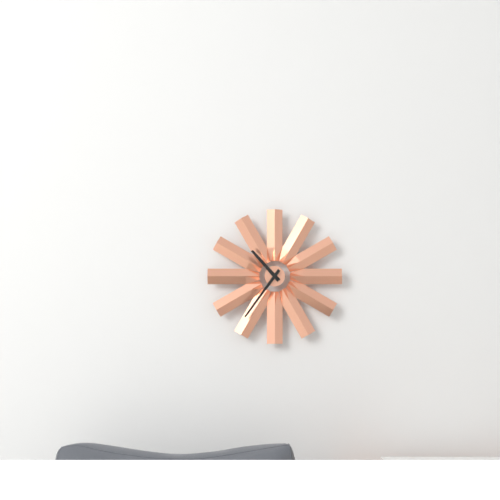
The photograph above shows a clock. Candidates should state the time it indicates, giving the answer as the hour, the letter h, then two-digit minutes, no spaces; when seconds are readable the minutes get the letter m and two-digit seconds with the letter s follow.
10h36
